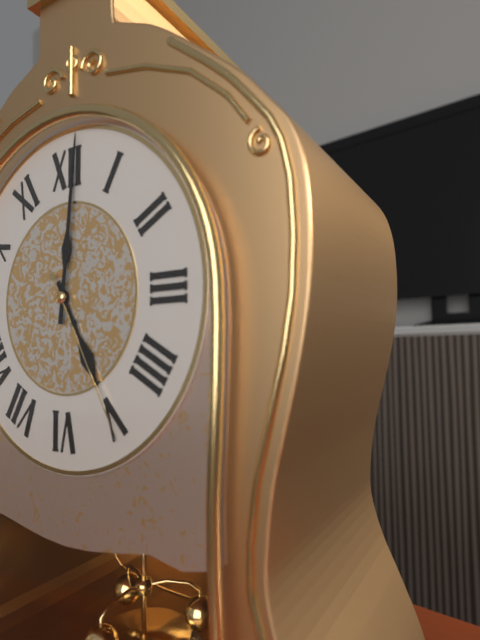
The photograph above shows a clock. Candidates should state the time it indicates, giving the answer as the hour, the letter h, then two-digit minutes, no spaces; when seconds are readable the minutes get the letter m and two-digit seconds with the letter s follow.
5h01m25s
